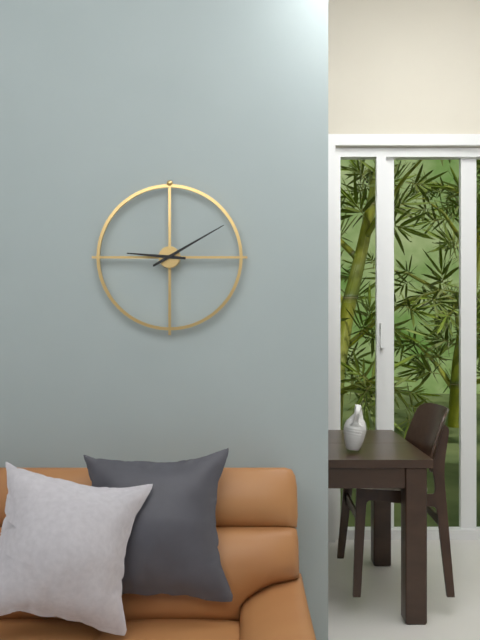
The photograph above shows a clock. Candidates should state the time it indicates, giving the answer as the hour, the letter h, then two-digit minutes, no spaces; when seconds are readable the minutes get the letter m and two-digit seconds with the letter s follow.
9h10
